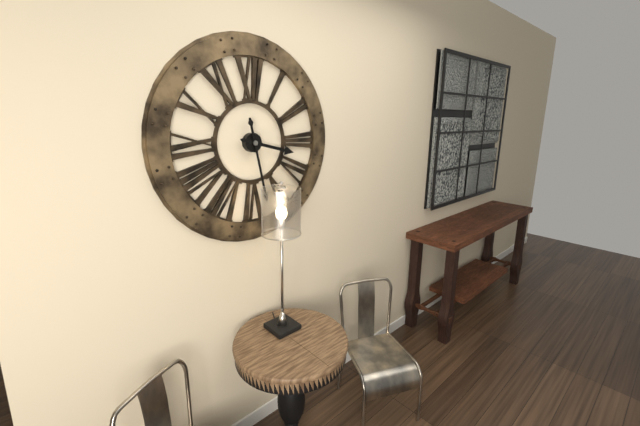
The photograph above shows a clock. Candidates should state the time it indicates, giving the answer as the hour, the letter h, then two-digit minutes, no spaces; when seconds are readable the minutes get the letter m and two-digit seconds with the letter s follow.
3h28
